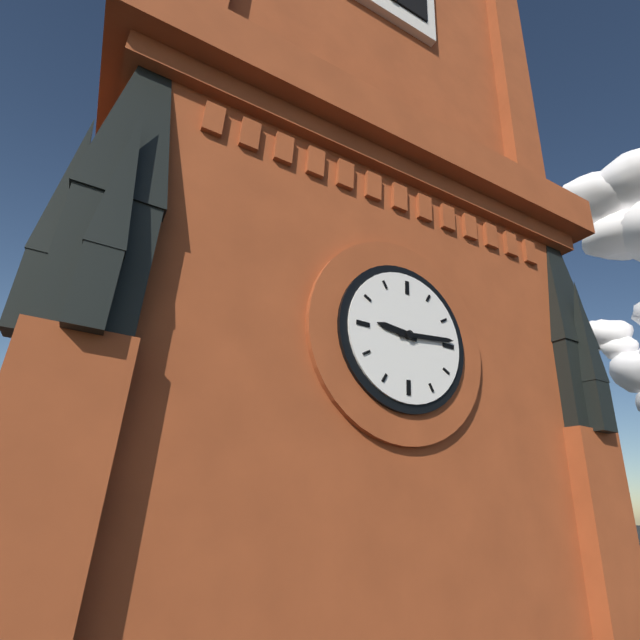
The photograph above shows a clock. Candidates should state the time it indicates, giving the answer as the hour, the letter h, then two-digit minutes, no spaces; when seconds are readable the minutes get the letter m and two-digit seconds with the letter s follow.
9h14
